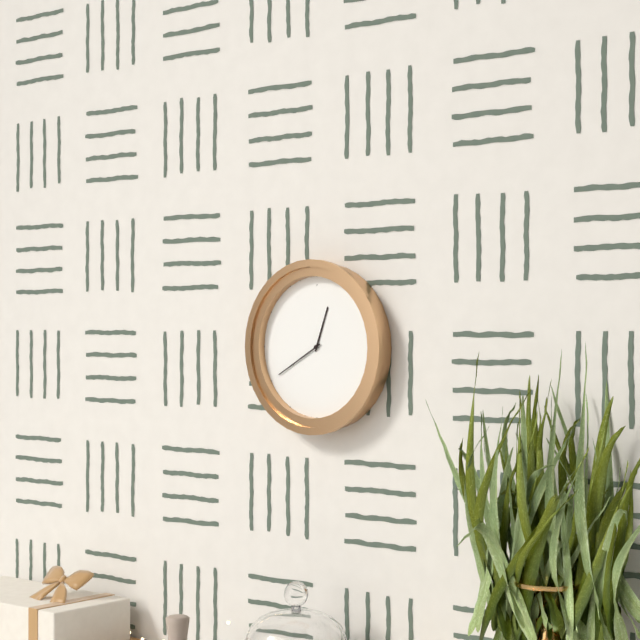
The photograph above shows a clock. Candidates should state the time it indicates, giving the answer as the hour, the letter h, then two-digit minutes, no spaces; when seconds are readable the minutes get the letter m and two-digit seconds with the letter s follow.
12h40
